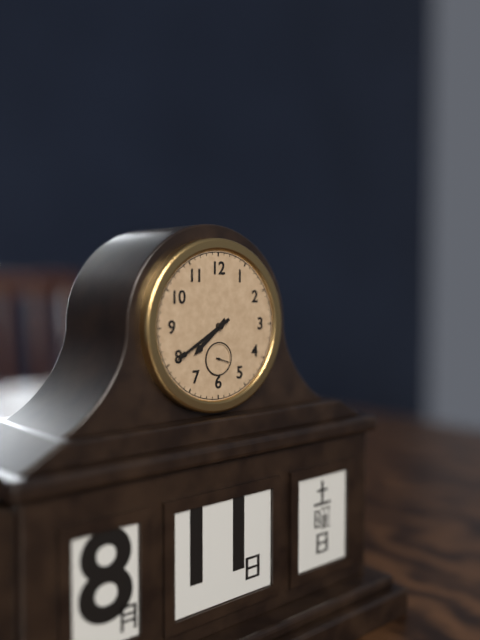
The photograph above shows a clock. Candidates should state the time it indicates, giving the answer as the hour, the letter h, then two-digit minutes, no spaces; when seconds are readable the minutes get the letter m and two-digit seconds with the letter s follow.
7h40
